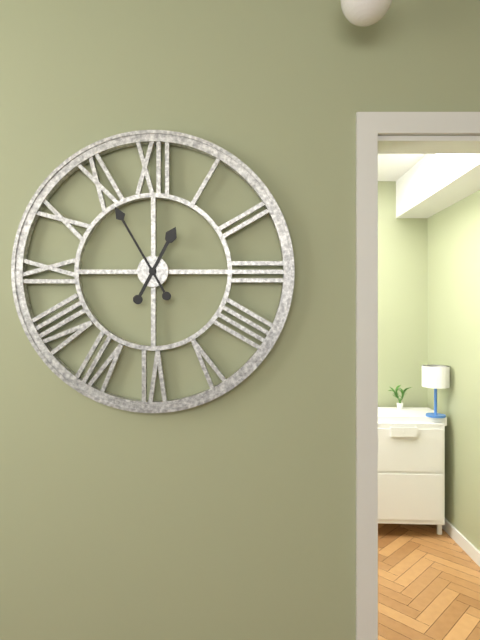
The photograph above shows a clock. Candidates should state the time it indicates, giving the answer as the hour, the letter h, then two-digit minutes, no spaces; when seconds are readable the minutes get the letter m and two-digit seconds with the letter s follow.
12h55
